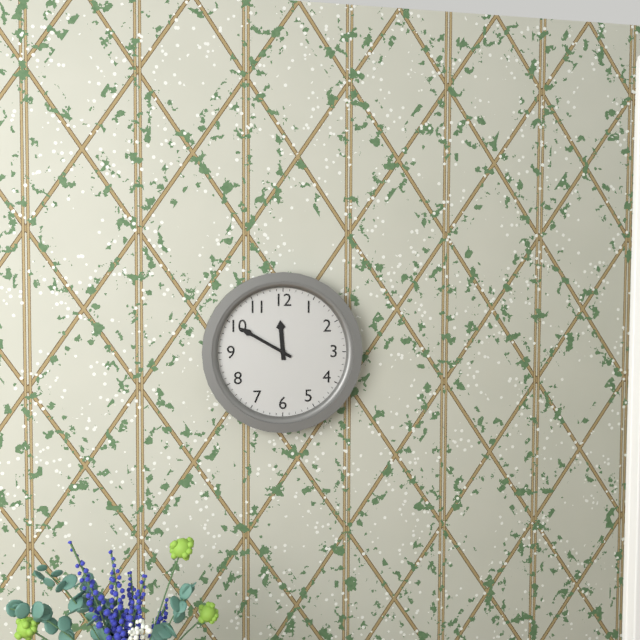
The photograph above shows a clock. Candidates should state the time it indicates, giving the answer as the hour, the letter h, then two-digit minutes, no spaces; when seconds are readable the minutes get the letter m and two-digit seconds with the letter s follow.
11h50
